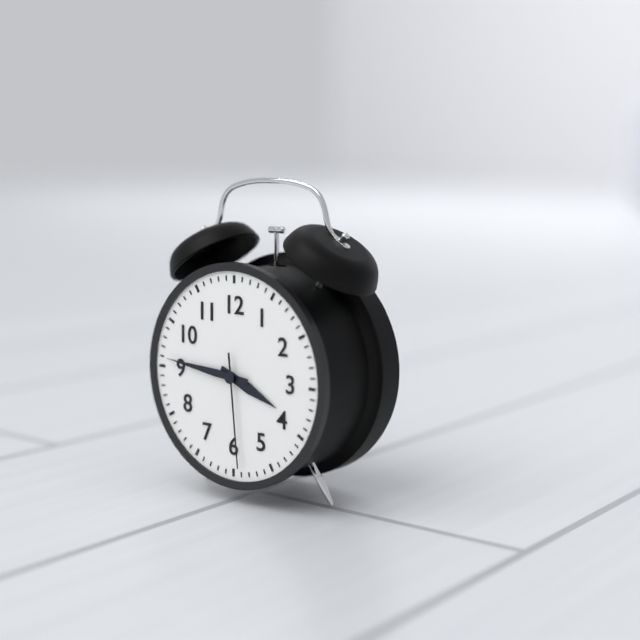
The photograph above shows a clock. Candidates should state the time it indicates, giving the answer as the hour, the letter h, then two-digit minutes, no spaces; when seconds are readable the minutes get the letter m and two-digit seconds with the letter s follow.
3h46m29s
